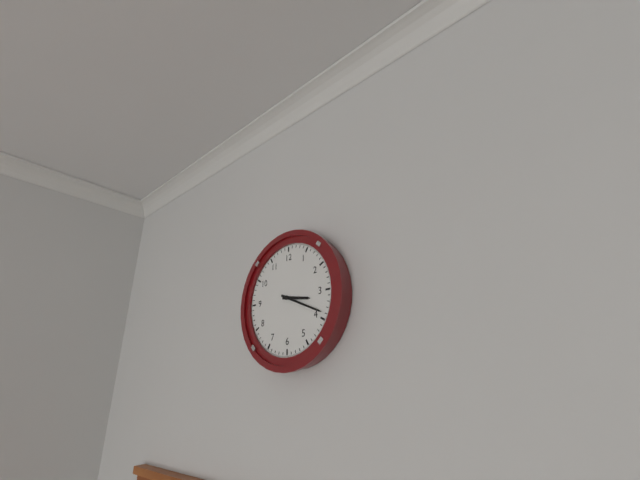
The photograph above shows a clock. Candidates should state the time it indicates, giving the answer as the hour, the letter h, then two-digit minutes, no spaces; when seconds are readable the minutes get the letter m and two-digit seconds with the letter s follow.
3h19
